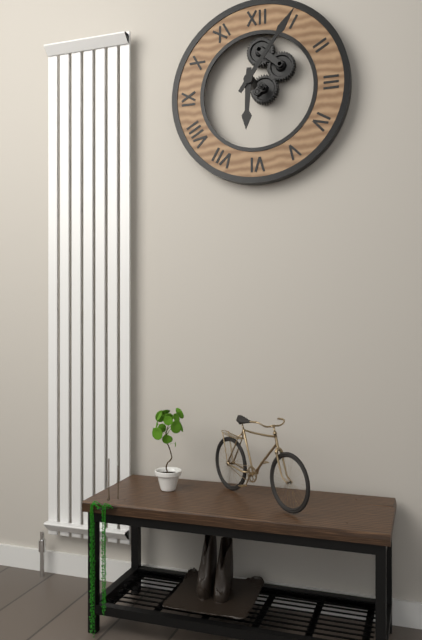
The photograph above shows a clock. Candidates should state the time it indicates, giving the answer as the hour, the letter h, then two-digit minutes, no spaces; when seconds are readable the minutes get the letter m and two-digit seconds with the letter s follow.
6h06
